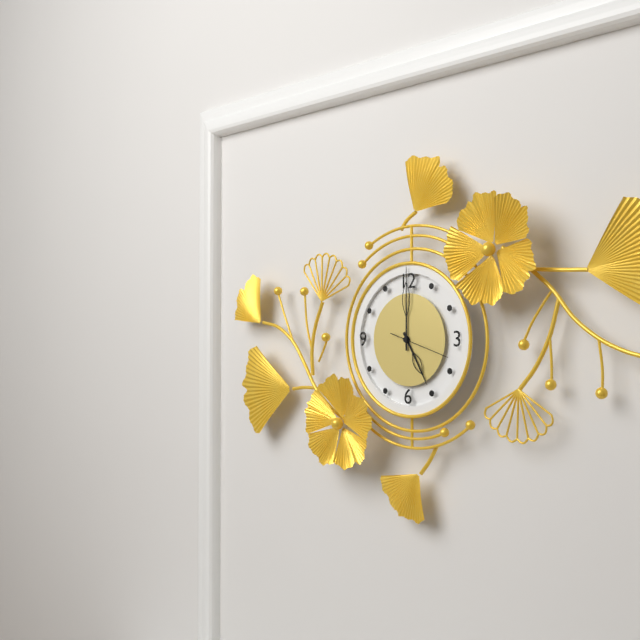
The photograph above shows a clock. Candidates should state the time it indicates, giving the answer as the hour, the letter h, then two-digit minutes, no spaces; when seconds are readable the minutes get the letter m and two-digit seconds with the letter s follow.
5h00m18s
